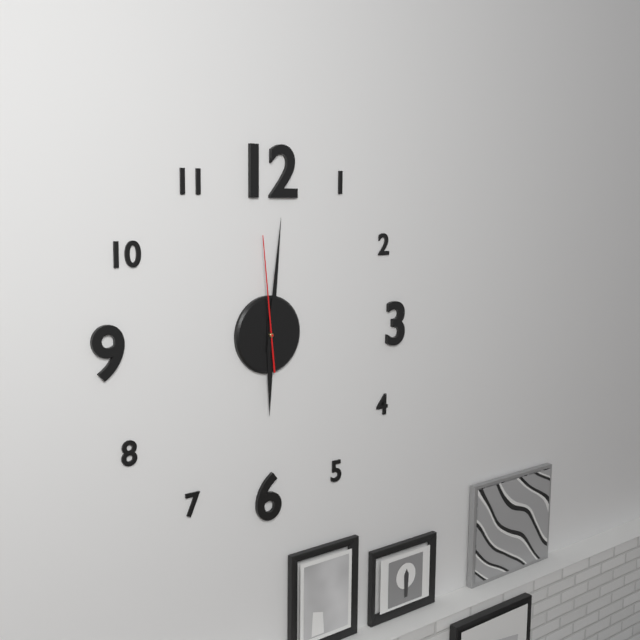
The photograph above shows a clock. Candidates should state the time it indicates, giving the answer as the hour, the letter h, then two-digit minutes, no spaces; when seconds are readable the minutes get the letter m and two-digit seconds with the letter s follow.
6h01m59s
